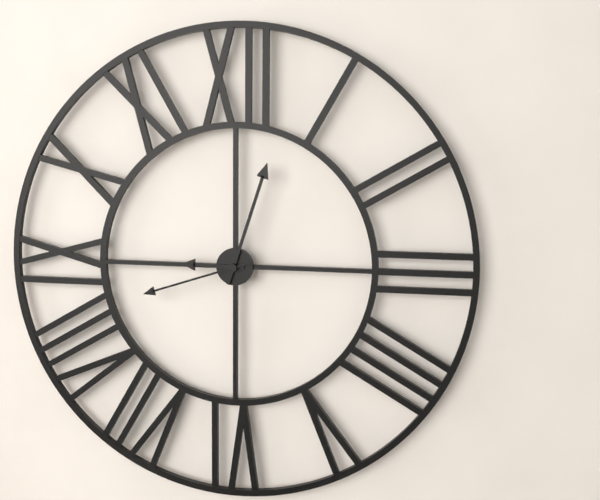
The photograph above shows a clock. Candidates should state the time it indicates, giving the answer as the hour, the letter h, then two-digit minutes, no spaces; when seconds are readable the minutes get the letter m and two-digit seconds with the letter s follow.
9h03m42s
